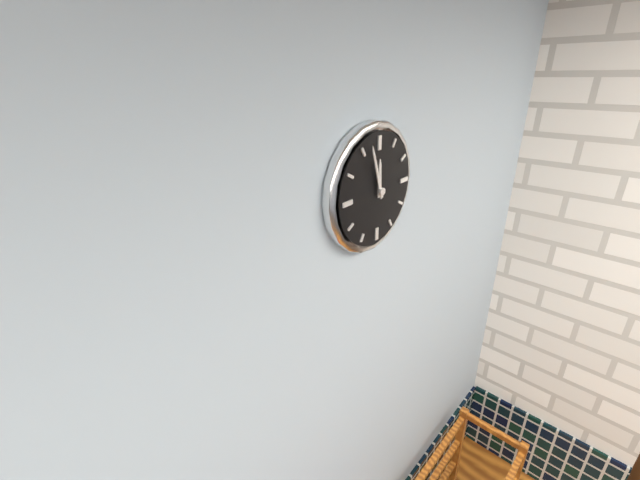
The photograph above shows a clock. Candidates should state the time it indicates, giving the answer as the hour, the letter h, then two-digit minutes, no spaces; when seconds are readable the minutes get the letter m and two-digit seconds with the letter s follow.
11h57
